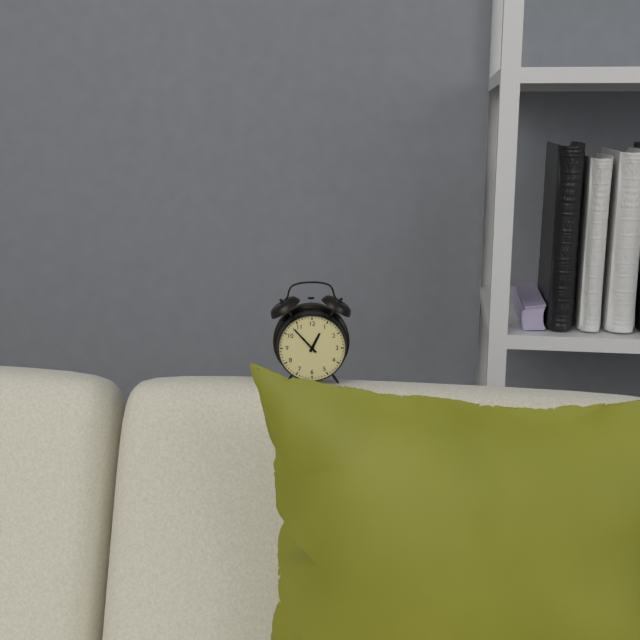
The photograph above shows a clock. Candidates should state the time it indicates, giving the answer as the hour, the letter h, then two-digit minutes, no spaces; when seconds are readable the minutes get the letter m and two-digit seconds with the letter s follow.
12h53
